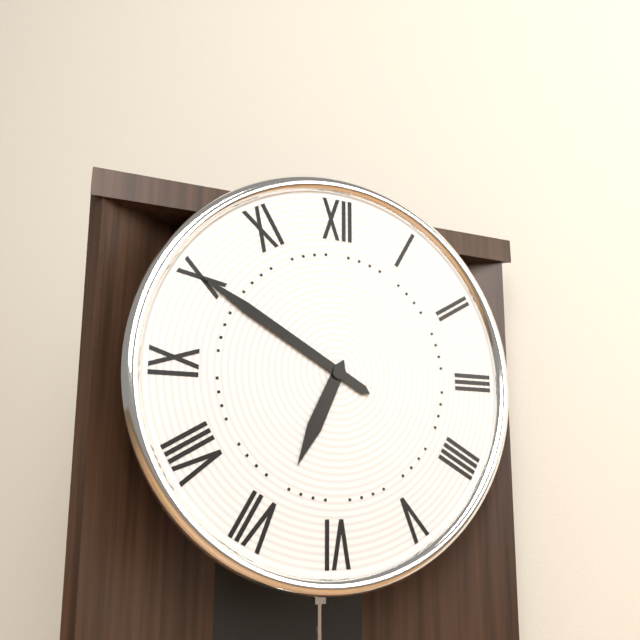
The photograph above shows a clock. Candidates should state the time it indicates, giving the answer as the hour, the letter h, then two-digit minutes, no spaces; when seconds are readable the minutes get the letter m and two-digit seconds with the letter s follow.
6h50
